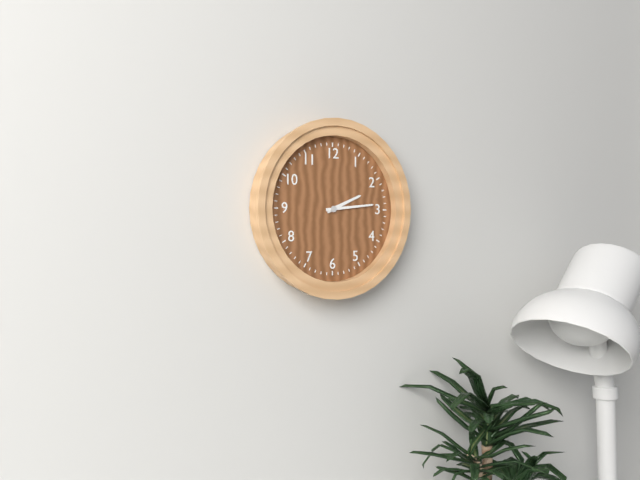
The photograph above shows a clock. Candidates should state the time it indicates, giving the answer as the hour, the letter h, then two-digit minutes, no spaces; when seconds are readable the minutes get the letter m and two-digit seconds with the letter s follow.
2h14
